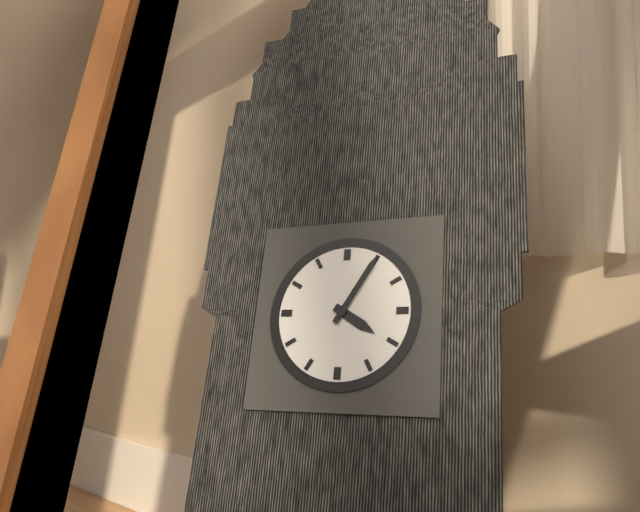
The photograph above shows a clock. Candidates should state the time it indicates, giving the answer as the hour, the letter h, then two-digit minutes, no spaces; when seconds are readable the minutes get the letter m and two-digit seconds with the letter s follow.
4h05
